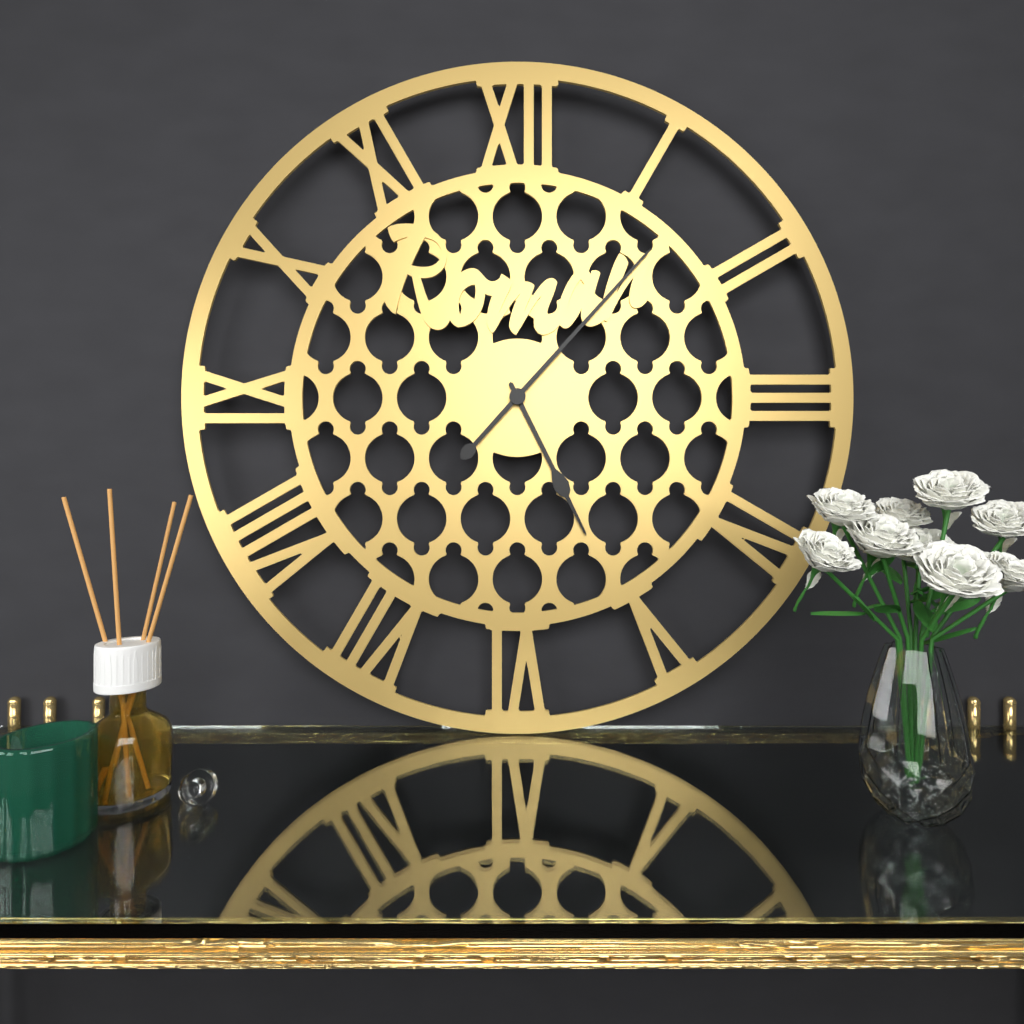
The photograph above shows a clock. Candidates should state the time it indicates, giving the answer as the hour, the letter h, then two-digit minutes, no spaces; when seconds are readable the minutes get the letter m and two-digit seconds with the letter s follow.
5h07
